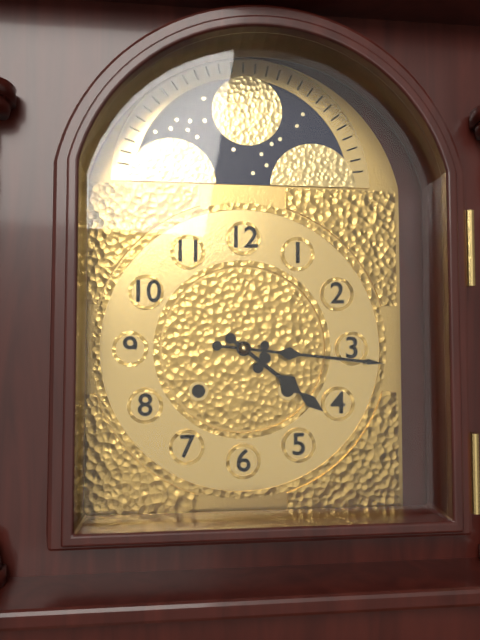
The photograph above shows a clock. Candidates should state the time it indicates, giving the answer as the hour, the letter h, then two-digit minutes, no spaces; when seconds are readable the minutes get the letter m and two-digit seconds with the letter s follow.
4h16
